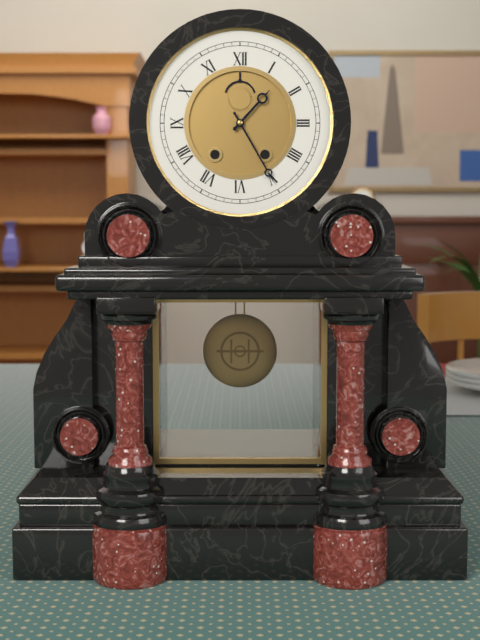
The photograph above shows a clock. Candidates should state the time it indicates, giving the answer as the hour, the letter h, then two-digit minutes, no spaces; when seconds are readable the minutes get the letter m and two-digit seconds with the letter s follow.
1h25
